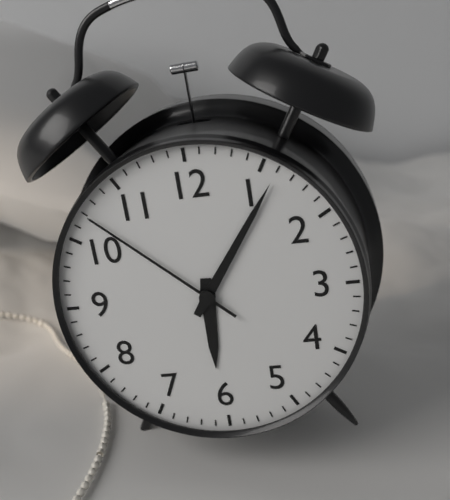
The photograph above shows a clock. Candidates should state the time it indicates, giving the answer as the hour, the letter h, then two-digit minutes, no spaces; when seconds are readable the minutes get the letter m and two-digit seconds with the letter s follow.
6h06m52s
